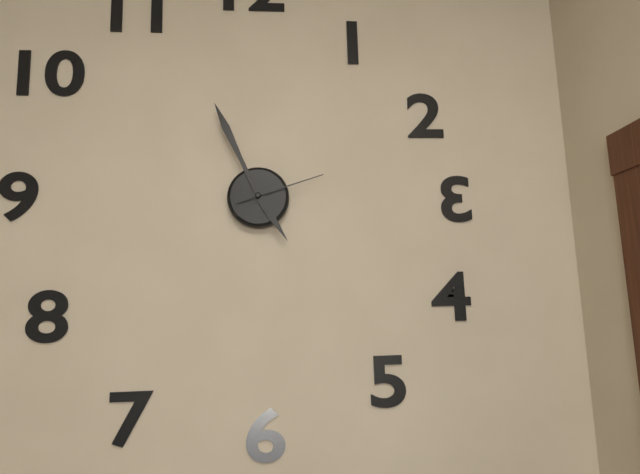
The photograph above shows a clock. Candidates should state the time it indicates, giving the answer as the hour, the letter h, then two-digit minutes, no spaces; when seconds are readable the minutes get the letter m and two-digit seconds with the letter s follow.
4h56m12s
